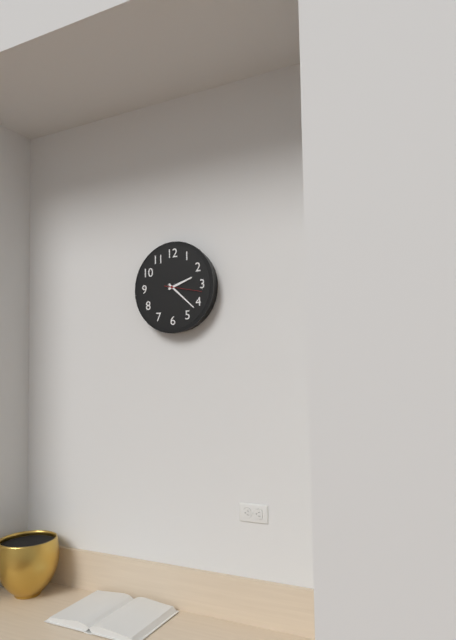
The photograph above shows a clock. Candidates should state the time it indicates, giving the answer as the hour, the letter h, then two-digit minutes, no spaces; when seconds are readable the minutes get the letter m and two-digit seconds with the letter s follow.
2h22
